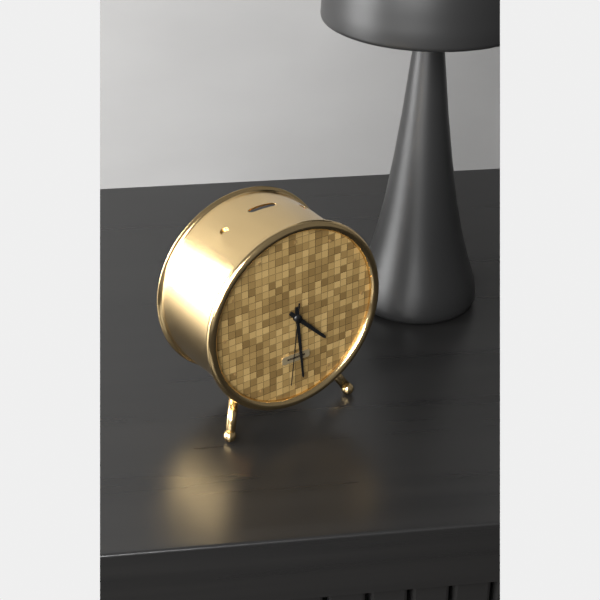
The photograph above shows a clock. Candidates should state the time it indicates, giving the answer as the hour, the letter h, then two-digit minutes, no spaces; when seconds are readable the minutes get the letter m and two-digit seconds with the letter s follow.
4h29m31s
